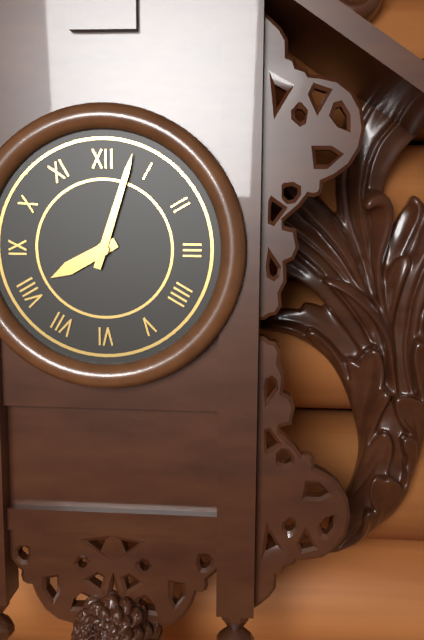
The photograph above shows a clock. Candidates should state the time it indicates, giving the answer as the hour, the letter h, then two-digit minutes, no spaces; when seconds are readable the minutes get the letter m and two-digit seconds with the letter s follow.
8h03
